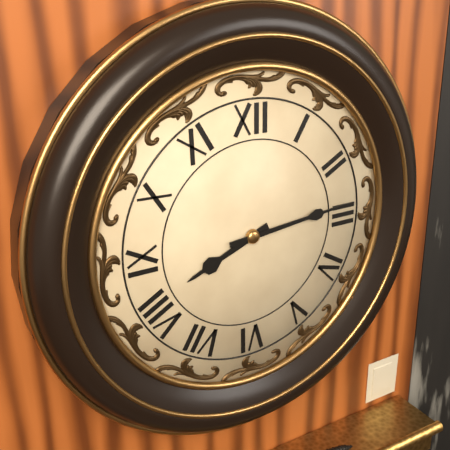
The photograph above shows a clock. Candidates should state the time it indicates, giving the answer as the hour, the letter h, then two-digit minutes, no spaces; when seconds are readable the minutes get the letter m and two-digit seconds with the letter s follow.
8h14
